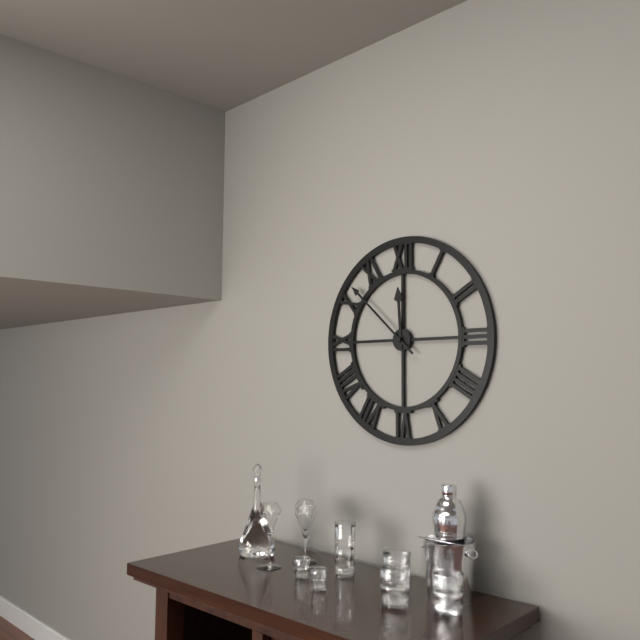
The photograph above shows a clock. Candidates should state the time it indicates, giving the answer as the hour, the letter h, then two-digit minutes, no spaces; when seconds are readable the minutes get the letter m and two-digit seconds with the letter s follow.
11h52
